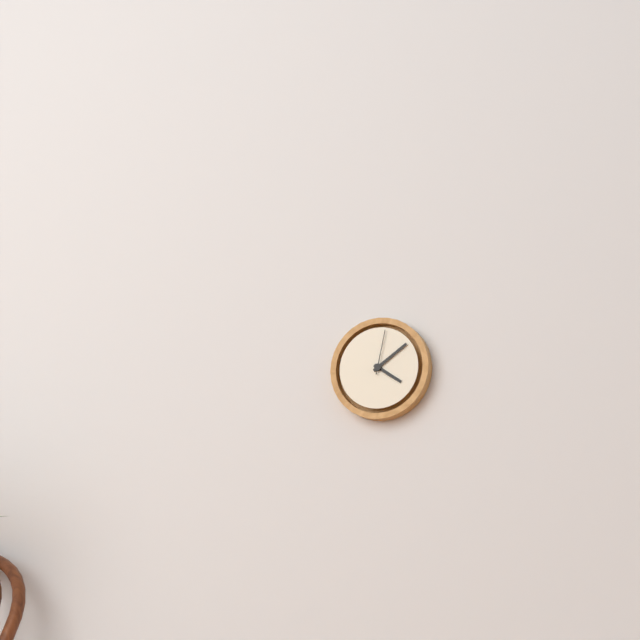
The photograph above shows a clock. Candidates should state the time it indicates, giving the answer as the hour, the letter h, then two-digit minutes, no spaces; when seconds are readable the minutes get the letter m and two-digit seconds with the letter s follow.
4h09
